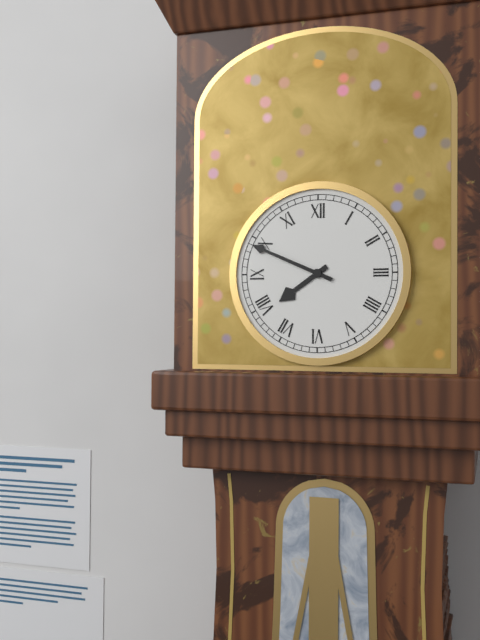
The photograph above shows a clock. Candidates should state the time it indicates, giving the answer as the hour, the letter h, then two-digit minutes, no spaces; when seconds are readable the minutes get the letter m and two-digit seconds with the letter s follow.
7h49
